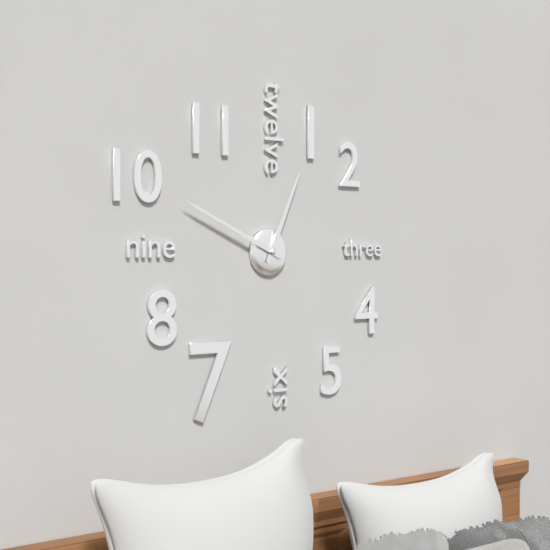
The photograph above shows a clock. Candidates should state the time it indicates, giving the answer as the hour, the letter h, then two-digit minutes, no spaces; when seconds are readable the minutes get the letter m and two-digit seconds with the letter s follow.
12h49
